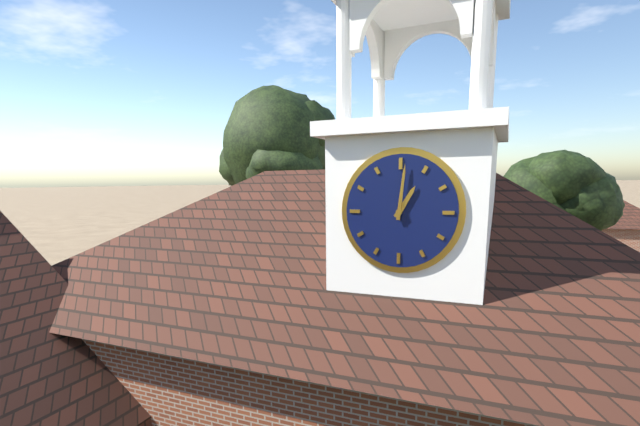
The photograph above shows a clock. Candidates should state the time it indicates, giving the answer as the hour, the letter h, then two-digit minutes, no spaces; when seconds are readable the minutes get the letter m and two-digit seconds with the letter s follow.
1h01
